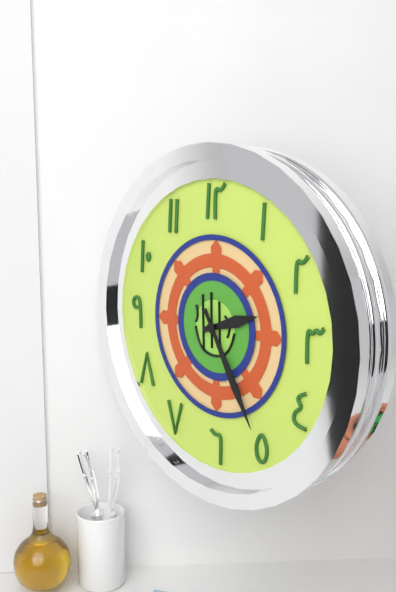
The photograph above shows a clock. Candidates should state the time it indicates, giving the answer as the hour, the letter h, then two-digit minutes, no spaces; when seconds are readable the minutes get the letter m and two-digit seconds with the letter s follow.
2h25
